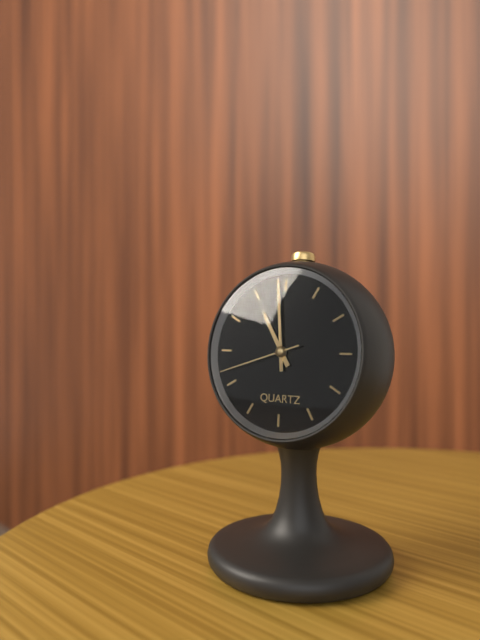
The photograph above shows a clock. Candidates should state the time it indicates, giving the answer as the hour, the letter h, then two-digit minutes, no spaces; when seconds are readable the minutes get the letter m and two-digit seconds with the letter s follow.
10h59m42s
